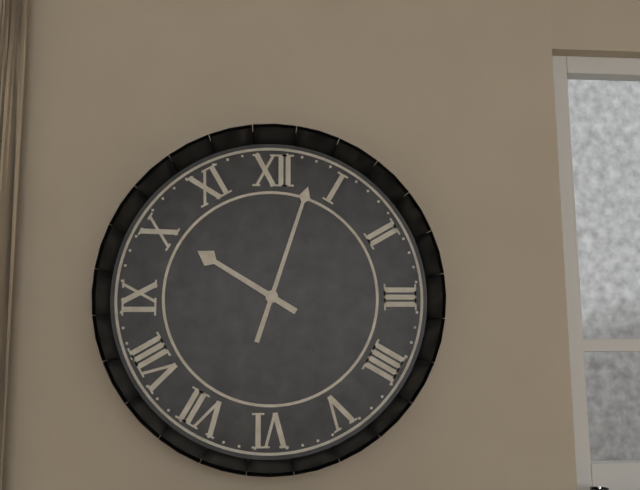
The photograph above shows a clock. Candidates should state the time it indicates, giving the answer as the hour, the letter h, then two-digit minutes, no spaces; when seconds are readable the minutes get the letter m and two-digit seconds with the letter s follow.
10h03
